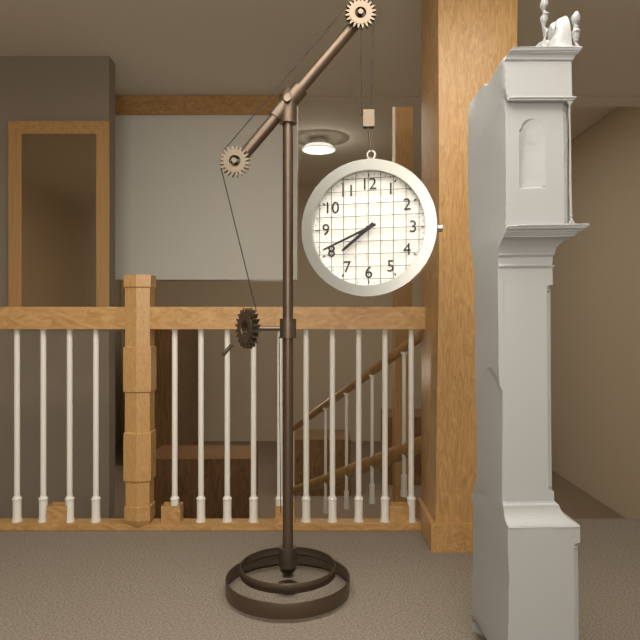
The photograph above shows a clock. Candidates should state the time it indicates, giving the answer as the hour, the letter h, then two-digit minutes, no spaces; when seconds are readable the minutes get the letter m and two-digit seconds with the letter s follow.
7h41
